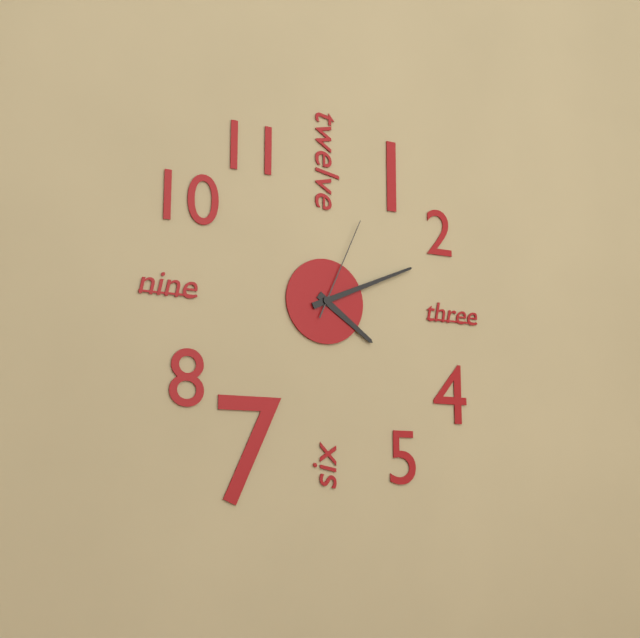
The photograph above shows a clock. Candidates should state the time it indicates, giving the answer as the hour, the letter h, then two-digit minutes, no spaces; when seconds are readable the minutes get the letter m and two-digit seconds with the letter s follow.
4h11m04s
